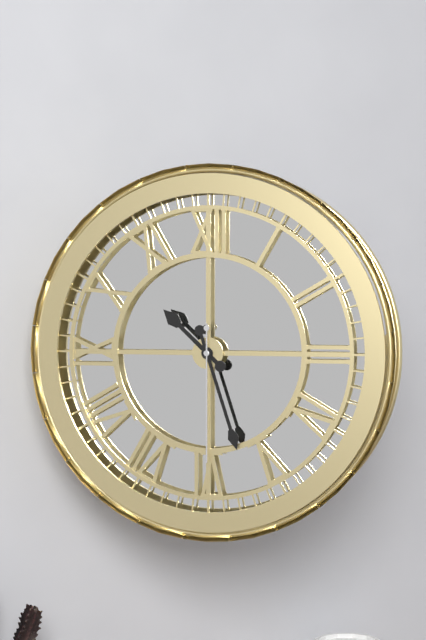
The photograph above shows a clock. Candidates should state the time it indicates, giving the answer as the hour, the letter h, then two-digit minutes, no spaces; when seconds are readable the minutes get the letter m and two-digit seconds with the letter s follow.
10h27m30s
